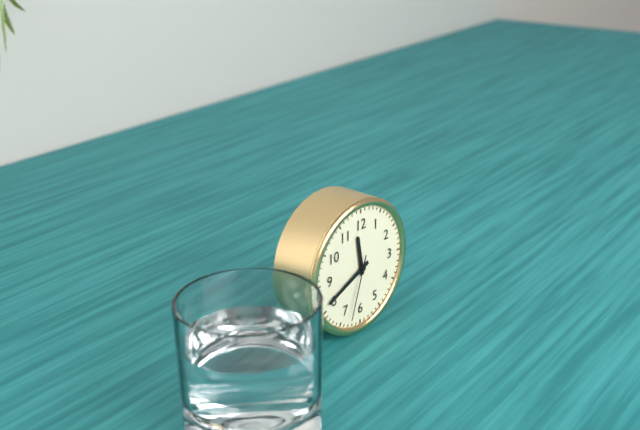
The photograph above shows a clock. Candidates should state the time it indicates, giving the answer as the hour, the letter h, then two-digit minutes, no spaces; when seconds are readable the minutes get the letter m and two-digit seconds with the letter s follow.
11h41m33s
